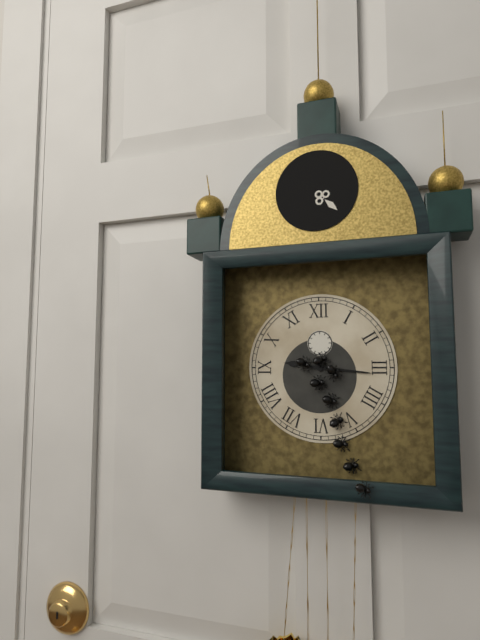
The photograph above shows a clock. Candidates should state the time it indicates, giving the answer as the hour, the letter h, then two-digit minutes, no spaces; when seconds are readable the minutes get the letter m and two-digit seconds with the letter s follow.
9h16
